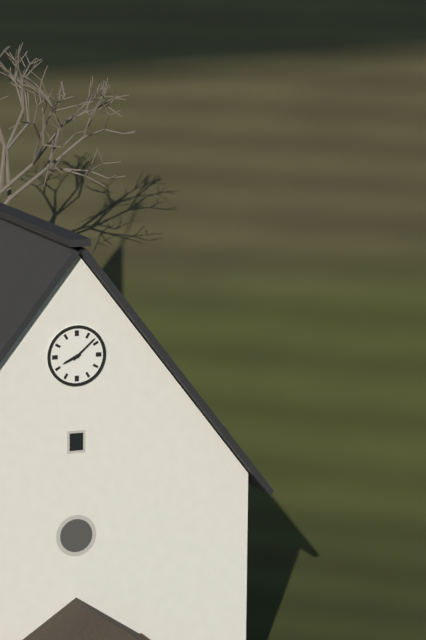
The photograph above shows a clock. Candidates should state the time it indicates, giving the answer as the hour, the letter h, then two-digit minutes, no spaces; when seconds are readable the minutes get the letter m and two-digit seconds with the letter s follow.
8h08
